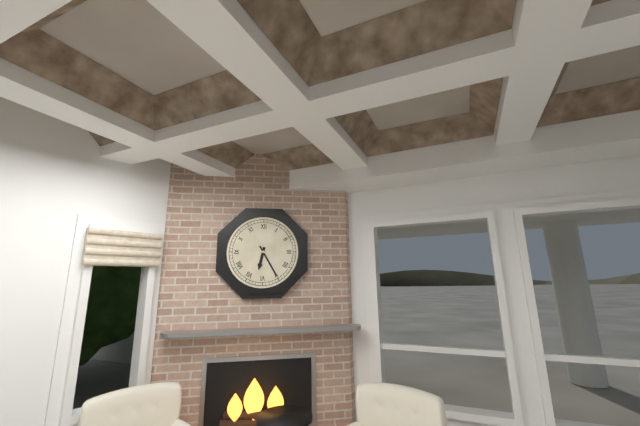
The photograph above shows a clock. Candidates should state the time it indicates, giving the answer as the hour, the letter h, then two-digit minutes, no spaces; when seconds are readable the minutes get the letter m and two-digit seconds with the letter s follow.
6h25
